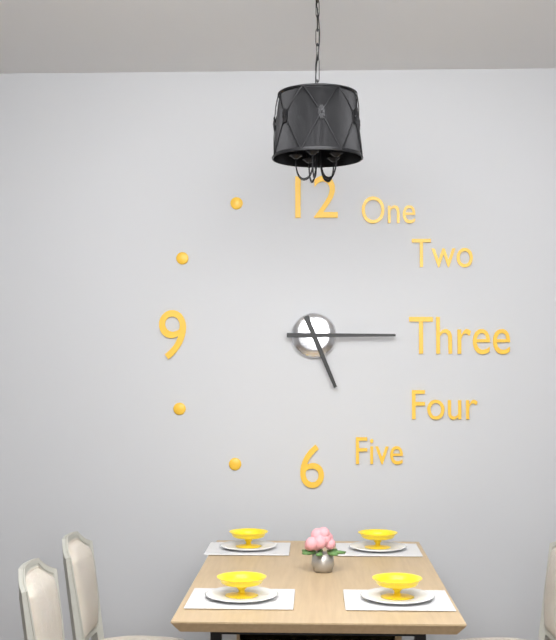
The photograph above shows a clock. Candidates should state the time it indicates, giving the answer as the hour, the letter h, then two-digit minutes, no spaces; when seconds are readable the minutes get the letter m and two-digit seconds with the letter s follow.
5h15
